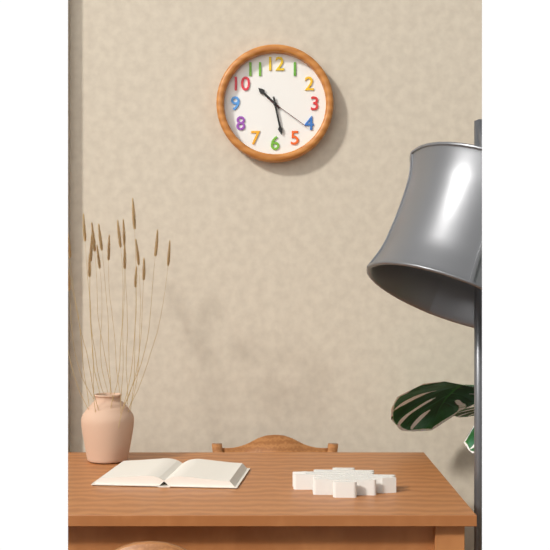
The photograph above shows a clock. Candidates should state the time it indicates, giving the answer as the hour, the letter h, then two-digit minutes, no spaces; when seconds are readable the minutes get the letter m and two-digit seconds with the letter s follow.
10h28
